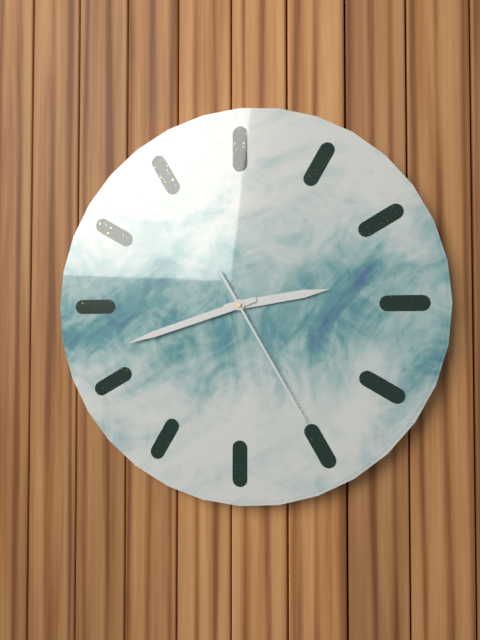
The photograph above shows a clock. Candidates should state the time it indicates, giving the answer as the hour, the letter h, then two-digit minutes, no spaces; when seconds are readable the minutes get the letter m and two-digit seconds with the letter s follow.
2h42m25s
